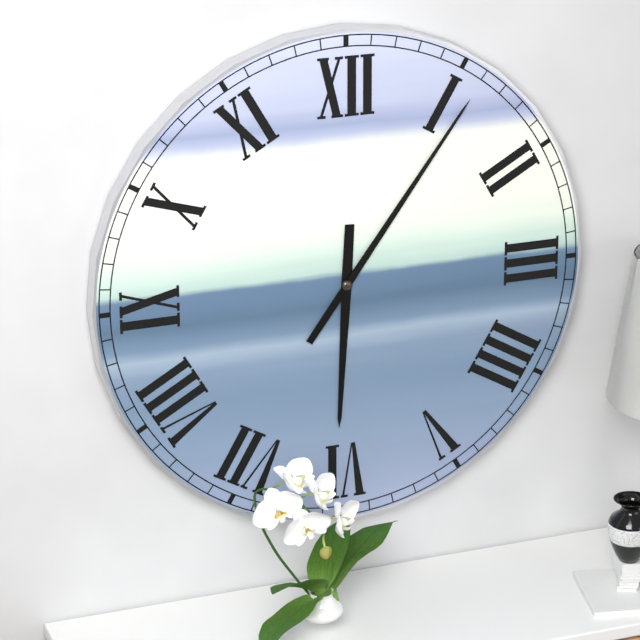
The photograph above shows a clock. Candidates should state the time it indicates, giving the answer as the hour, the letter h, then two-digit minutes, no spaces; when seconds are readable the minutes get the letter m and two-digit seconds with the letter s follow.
6h06
